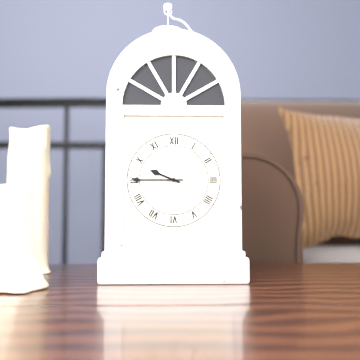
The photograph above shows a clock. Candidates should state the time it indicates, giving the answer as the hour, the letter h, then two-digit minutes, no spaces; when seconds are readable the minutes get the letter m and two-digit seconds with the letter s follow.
9h45
